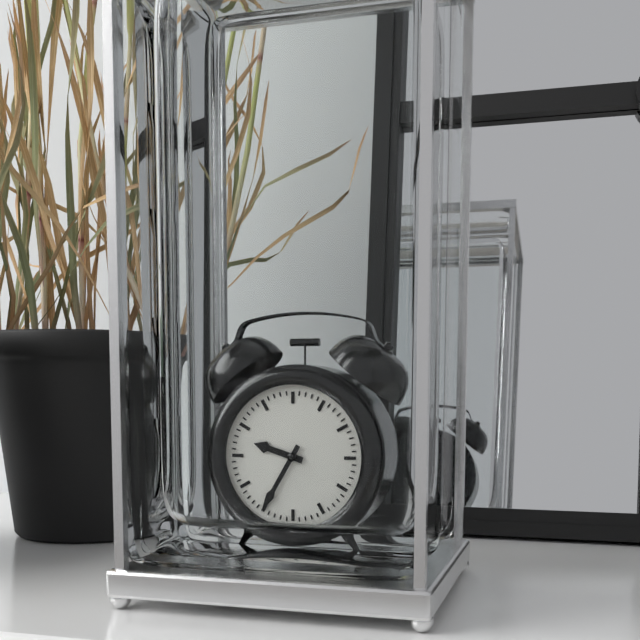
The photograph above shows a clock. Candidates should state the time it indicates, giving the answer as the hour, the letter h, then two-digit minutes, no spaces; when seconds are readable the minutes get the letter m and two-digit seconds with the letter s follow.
9h35
